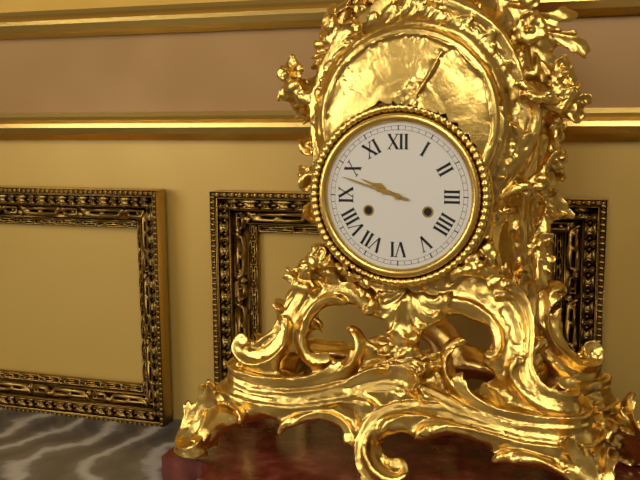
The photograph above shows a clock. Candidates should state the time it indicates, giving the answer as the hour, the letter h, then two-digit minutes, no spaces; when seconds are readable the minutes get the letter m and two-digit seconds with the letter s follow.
9h48
